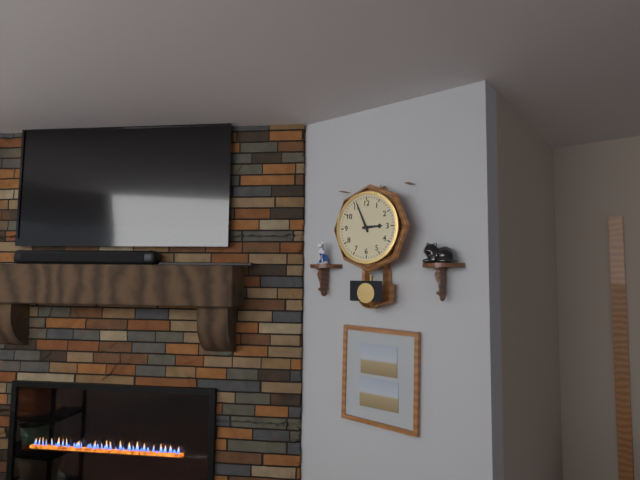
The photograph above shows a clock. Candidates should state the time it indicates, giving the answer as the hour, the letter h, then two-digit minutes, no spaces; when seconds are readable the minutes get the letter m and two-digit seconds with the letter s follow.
2h56
